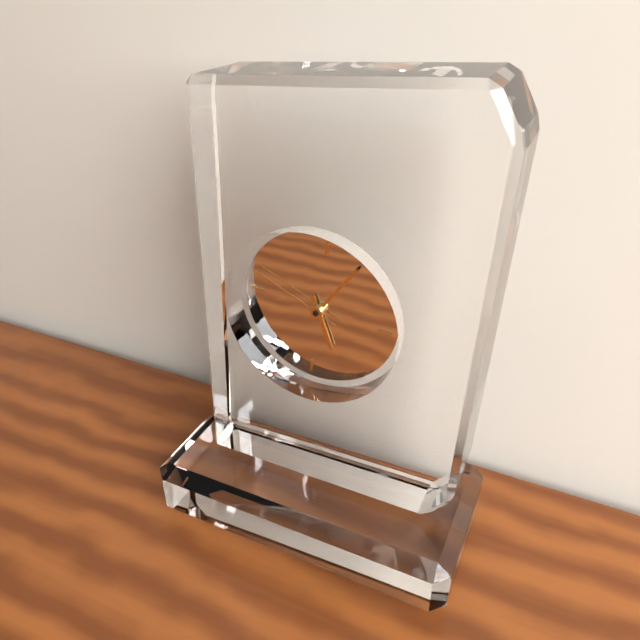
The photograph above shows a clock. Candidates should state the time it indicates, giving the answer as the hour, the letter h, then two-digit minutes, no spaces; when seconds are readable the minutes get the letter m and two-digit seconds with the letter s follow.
5h05m48s
